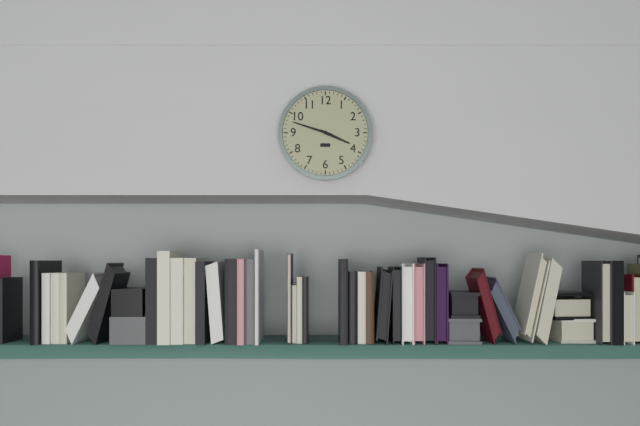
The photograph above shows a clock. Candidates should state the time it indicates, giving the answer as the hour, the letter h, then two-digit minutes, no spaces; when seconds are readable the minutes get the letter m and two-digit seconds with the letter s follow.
3h48
